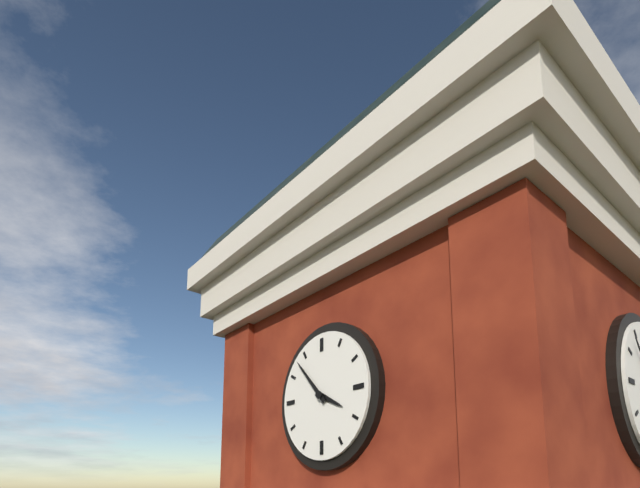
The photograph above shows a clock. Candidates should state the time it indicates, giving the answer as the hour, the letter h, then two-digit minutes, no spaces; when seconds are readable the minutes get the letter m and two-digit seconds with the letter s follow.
3h53
